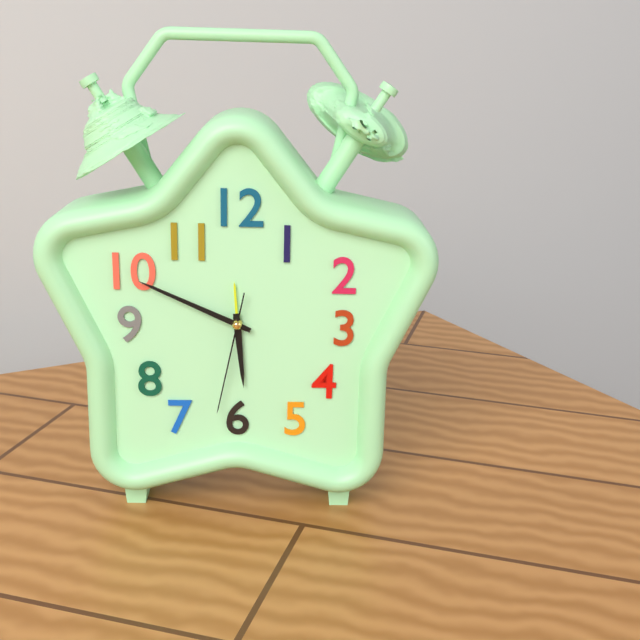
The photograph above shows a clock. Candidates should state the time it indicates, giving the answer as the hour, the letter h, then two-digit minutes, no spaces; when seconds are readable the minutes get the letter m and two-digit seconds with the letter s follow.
5h49m32s
